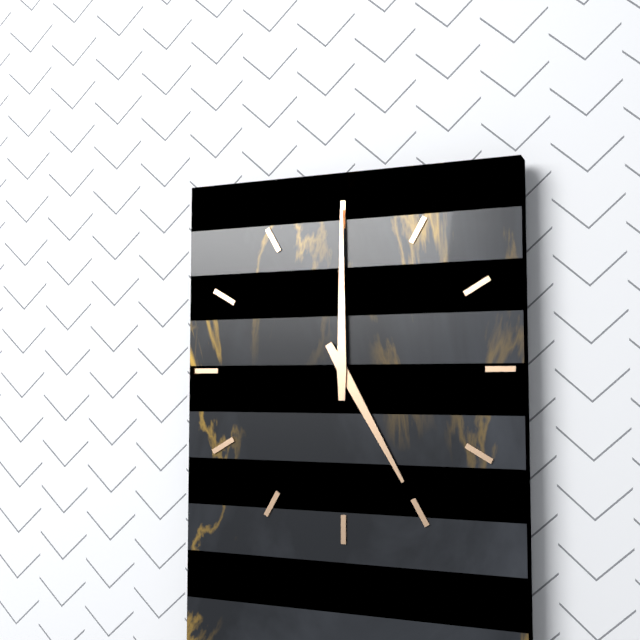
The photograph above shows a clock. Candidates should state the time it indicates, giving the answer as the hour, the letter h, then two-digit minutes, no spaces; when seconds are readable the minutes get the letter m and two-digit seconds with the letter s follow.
5h00
